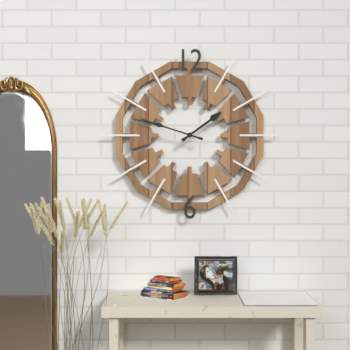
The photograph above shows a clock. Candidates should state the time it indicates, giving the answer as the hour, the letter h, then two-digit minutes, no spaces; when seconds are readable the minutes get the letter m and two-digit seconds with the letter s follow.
1h48
